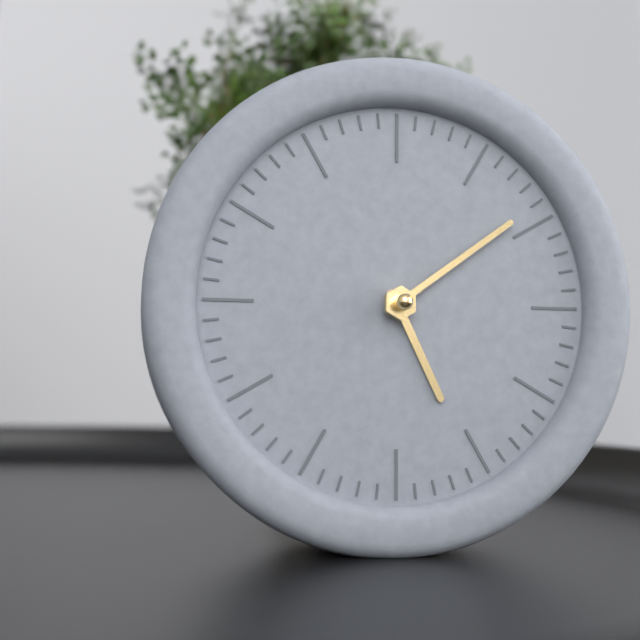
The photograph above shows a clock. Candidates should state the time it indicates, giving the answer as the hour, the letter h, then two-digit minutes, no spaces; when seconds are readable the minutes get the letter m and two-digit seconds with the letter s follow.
5h09
